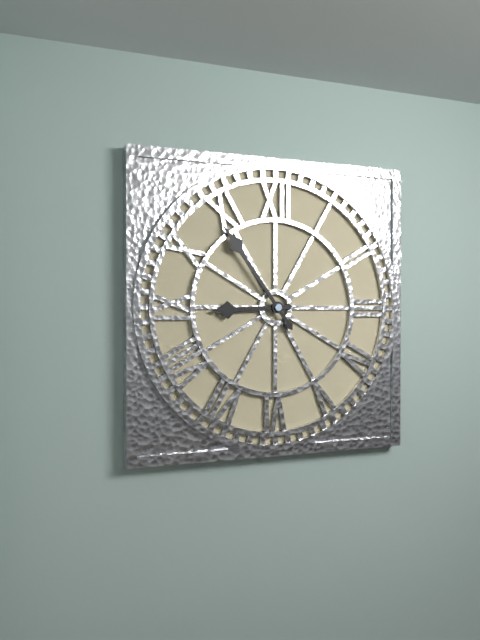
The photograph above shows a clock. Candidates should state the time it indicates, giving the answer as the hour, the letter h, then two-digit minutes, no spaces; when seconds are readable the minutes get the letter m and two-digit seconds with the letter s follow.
8h54
